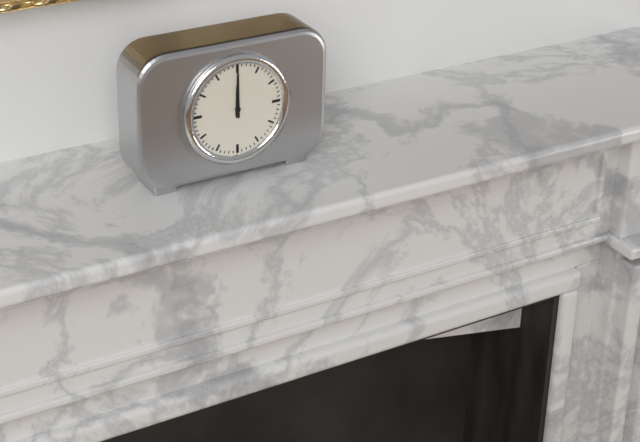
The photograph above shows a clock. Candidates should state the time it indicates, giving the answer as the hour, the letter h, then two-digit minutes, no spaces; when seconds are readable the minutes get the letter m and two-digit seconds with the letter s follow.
12h00
